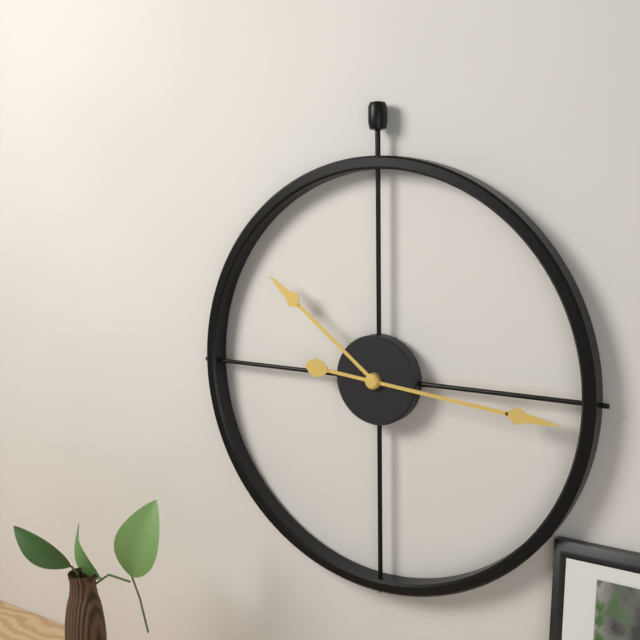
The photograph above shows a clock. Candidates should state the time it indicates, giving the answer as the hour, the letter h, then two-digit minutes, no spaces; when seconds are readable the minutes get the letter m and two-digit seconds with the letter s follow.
10h16
